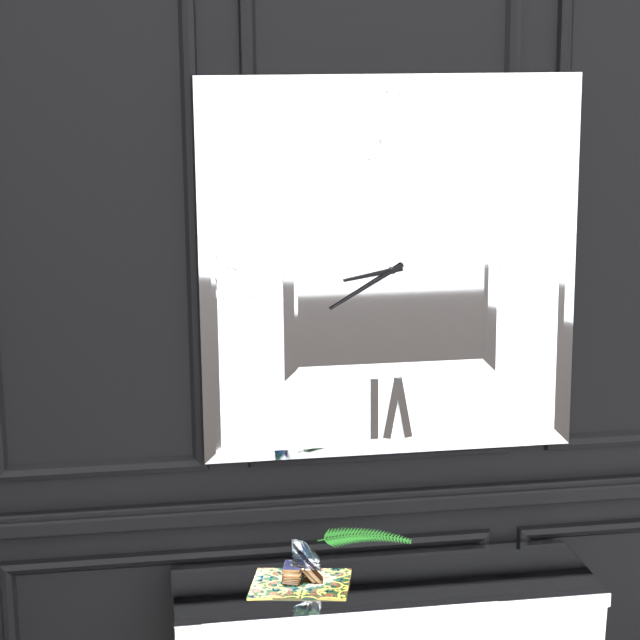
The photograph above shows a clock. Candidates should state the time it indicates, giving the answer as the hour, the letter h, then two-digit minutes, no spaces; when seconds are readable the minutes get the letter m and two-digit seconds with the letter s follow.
8h40
